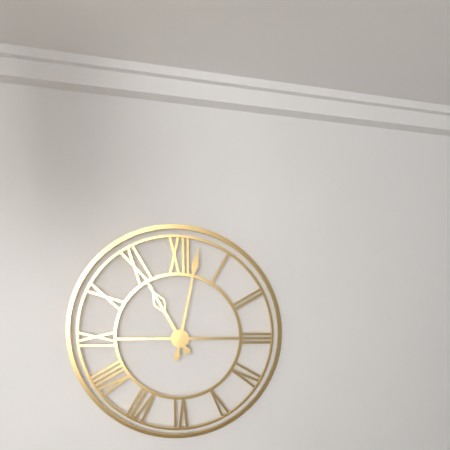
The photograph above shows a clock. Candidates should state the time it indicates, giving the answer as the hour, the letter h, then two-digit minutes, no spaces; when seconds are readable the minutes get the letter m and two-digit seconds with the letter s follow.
11h02
